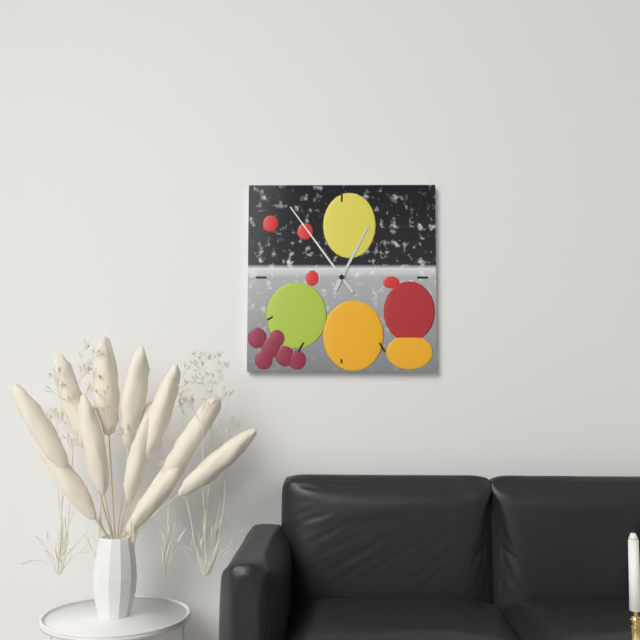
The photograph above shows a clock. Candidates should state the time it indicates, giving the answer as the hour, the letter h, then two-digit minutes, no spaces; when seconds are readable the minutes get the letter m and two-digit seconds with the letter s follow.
12h54
